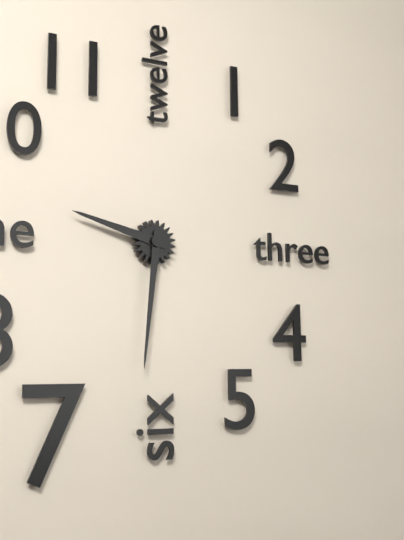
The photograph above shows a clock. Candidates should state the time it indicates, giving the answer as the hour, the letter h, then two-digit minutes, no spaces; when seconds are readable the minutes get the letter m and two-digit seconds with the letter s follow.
9h31
